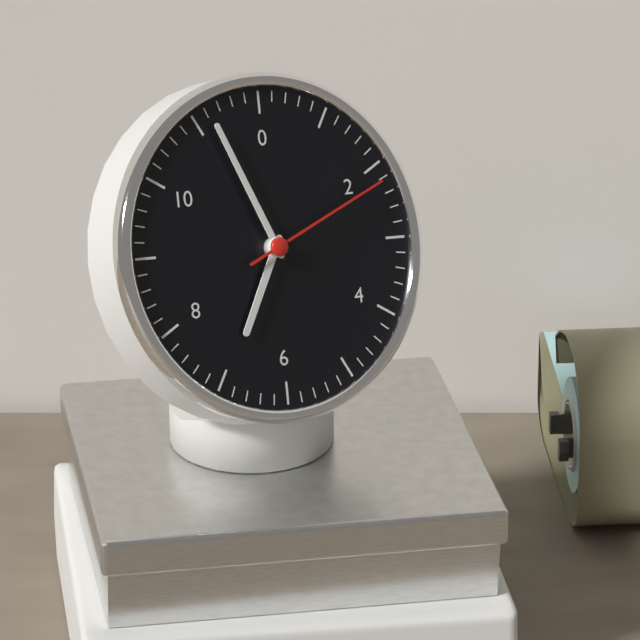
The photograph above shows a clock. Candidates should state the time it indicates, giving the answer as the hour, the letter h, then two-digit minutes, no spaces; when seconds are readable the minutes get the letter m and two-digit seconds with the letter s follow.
6h56m11s
